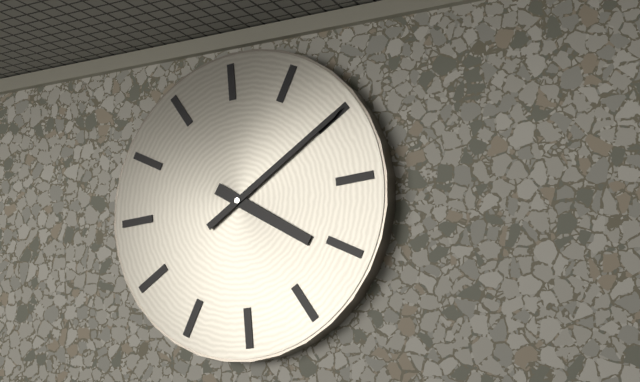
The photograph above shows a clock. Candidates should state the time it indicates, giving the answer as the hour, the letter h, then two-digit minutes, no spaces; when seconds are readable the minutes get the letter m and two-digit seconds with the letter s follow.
4h10
